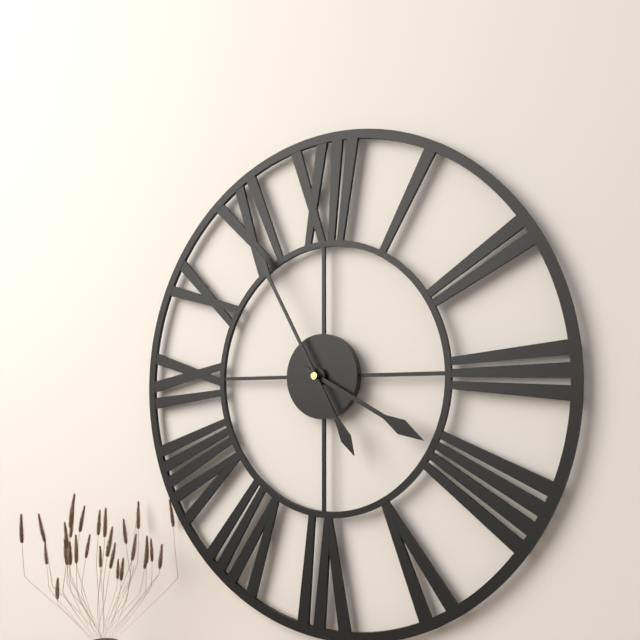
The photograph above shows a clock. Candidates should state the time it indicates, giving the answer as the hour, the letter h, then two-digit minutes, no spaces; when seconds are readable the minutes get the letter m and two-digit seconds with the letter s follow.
3h55
